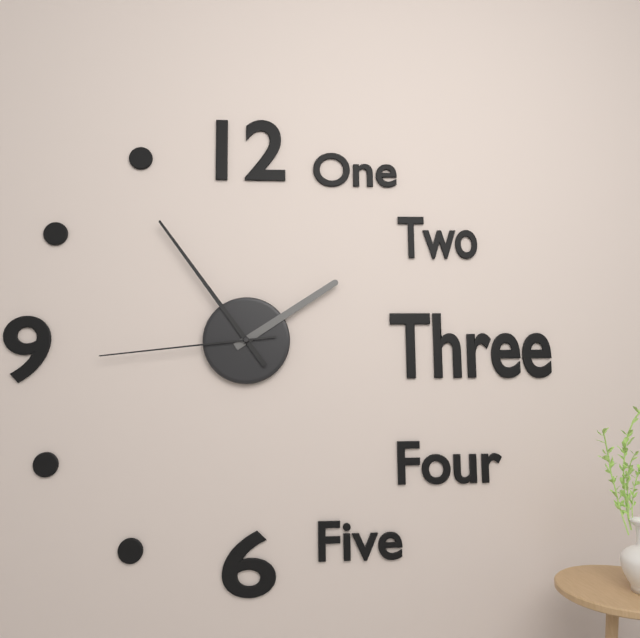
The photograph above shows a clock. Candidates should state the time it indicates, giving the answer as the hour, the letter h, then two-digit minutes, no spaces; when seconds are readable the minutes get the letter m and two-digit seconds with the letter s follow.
1h54m44s
